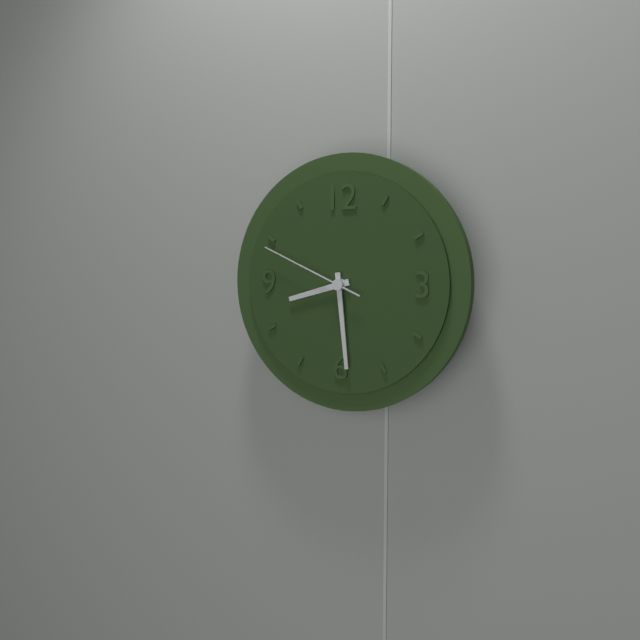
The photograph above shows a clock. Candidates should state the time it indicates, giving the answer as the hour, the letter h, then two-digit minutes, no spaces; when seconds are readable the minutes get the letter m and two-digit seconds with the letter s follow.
8h29m49s
